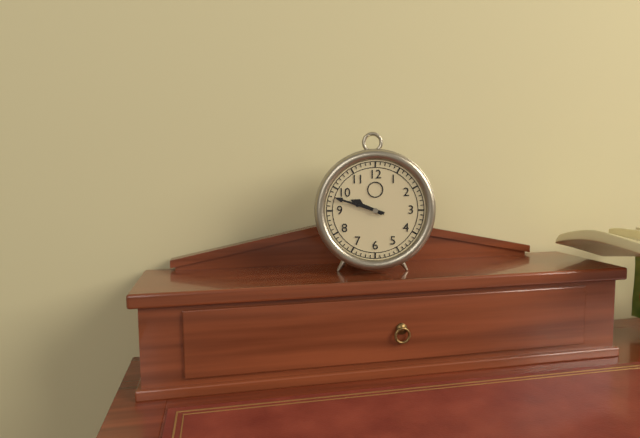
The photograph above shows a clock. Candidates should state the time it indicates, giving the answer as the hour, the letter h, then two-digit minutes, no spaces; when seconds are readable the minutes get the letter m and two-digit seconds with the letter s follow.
9h48
